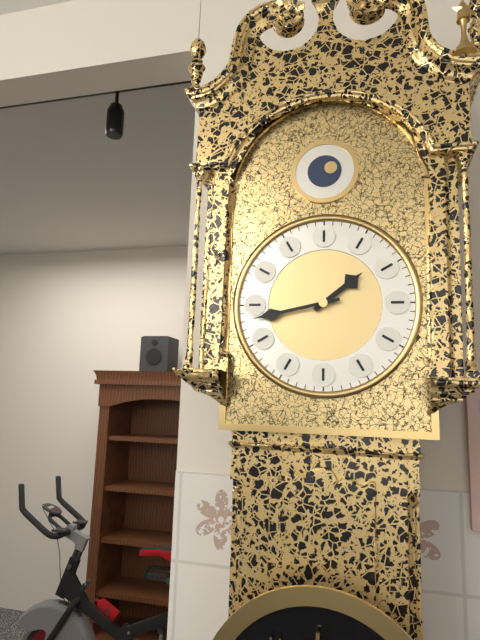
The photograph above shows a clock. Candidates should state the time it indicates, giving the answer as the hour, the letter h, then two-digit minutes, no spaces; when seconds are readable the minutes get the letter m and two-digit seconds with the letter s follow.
1h43
